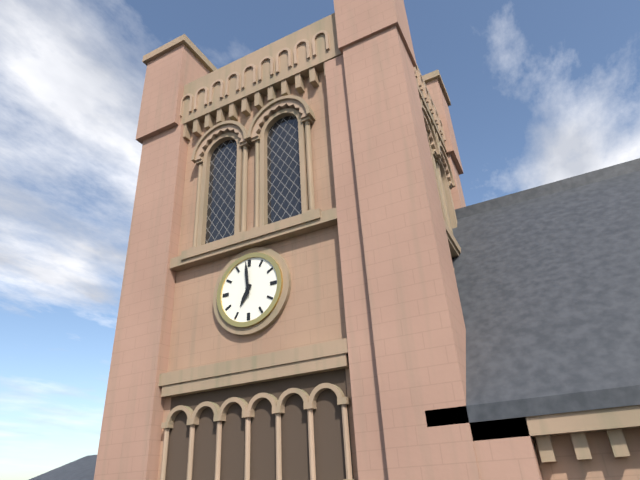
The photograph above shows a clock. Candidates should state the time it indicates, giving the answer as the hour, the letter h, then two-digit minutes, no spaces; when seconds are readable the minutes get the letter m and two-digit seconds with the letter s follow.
6h59
